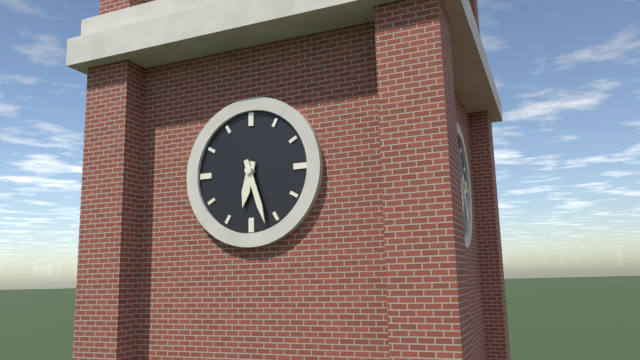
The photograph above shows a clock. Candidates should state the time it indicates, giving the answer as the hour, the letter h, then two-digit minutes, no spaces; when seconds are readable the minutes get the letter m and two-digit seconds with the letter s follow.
6h27
